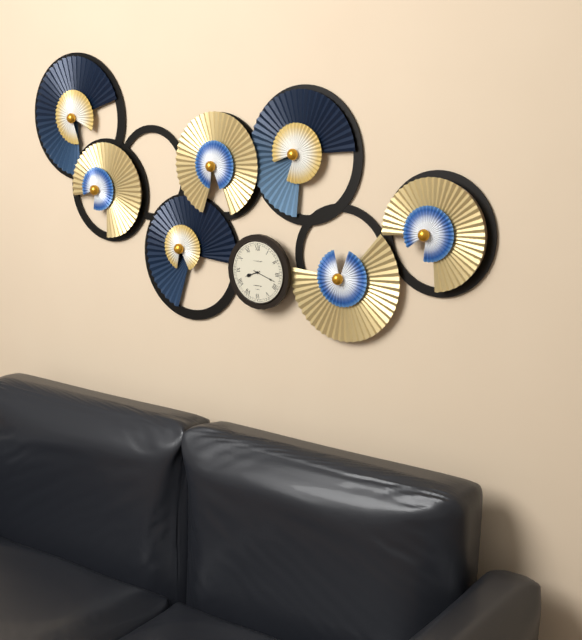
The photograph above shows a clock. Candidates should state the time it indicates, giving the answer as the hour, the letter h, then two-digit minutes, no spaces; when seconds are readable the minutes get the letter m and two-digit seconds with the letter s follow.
8h18
